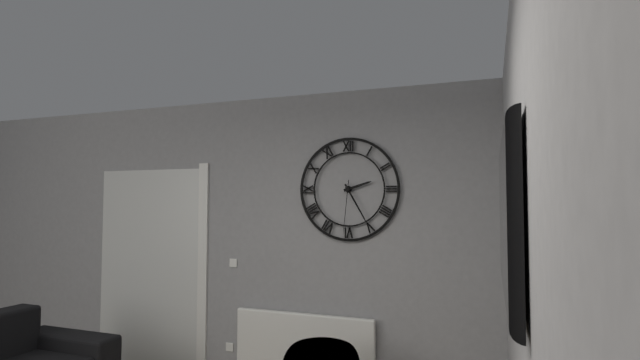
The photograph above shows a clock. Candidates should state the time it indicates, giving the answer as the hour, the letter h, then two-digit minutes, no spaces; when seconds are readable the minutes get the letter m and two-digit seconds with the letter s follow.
2h25m31s
